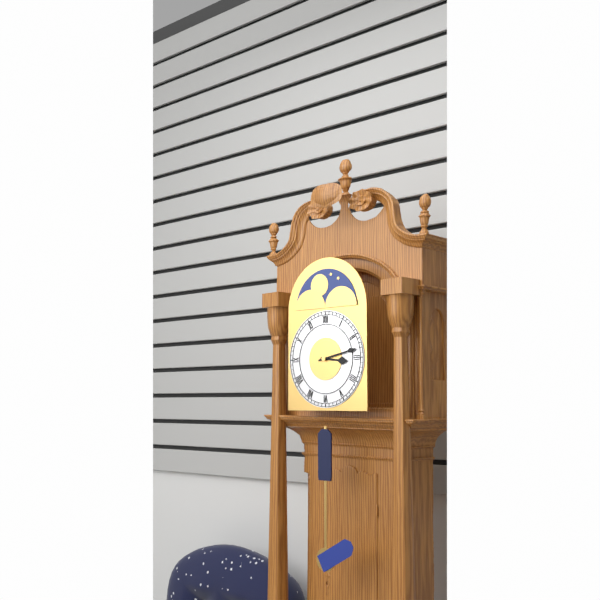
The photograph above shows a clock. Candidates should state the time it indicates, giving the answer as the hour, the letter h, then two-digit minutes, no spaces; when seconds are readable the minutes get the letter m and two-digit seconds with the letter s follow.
3h13
